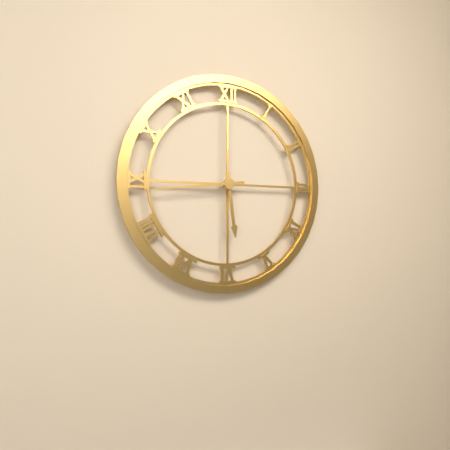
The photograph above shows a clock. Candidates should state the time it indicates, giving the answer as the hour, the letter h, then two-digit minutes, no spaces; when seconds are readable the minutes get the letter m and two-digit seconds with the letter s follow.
5h44
